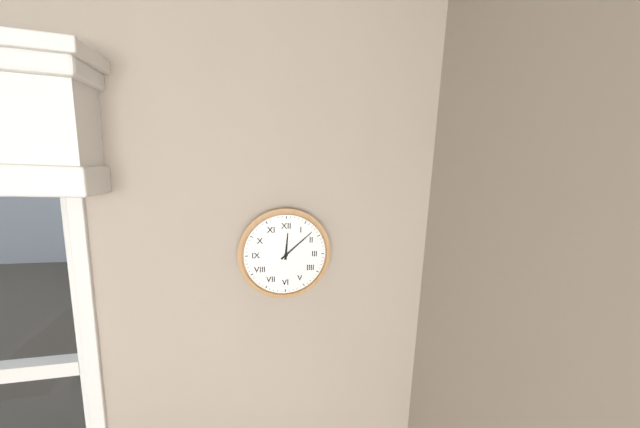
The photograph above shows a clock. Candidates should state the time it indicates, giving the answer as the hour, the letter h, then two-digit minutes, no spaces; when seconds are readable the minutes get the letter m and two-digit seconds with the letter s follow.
12h08
